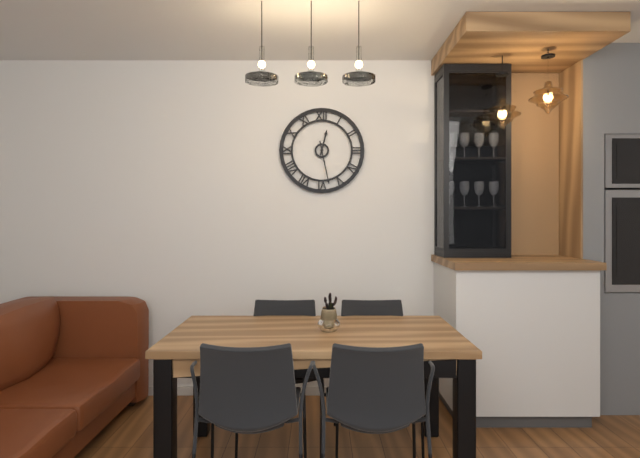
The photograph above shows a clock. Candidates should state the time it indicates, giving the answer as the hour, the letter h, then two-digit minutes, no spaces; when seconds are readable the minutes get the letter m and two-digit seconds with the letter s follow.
12h28
